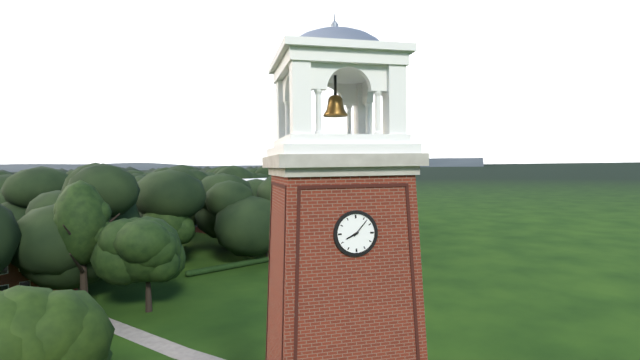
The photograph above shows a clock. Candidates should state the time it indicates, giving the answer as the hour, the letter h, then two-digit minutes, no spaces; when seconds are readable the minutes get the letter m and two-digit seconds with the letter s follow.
8h07
